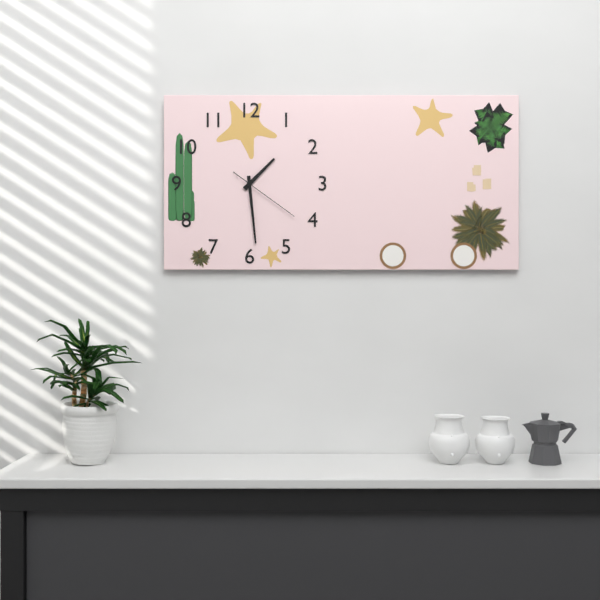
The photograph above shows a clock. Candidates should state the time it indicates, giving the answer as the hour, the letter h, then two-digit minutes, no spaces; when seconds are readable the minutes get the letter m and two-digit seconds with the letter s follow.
1h29m21s
